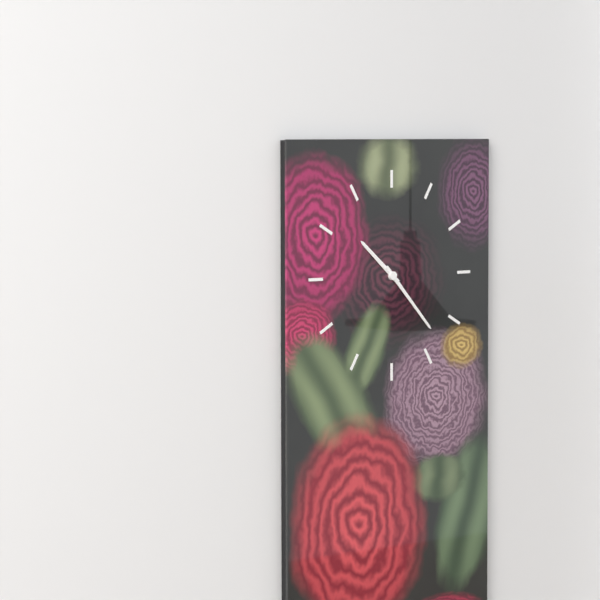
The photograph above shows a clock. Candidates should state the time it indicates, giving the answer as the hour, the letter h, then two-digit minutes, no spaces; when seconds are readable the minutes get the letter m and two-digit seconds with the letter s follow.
10h23
